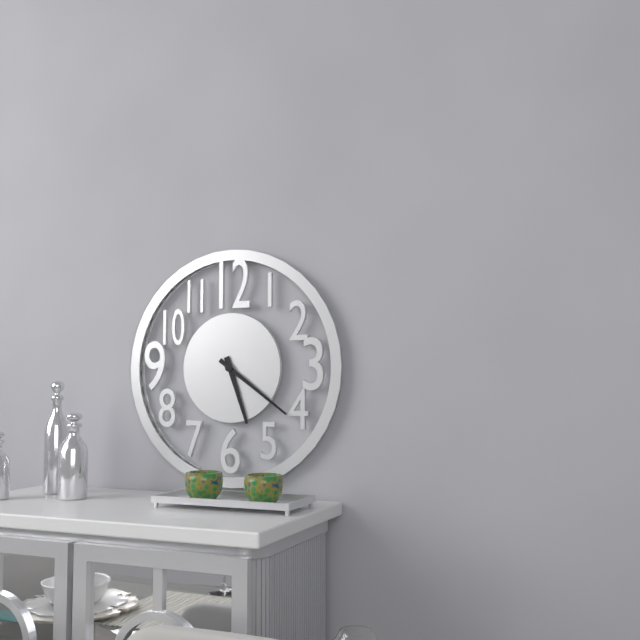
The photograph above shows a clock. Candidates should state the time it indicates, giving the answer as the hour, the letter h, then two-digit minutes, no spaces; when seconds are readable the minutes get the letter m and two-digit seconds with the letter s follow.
5h21
